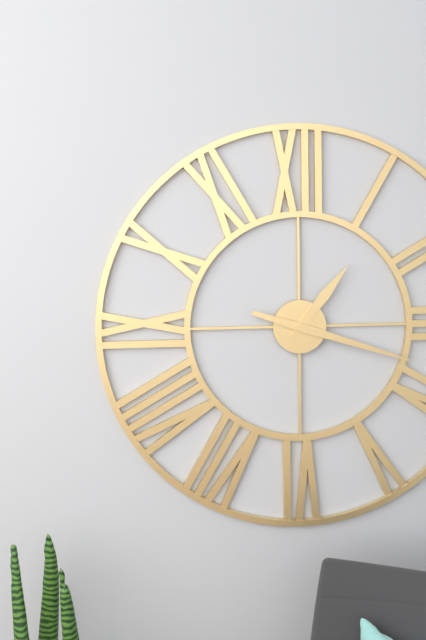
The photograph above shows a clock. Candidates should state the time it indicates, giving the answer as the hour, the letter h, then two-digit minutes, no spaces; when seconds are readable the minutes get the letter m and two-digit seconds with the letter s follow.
1h18
